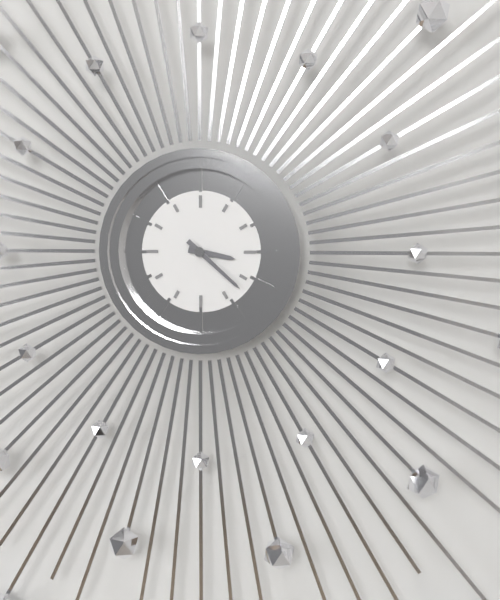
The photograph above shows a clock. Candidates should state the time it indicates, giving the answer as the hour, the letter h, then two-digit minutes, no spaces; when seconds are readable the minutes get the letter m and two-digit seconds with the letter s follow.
3h22
